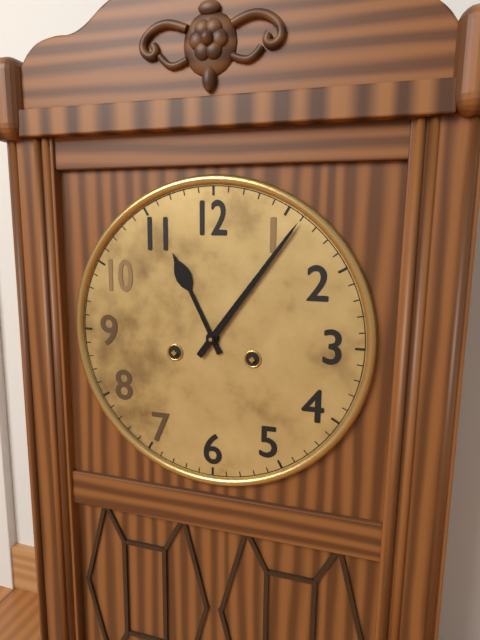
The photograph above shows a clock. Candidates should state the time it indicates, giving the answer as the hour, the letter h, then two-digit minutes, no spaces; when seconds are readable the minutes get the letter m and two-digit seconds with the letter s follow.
11h06
